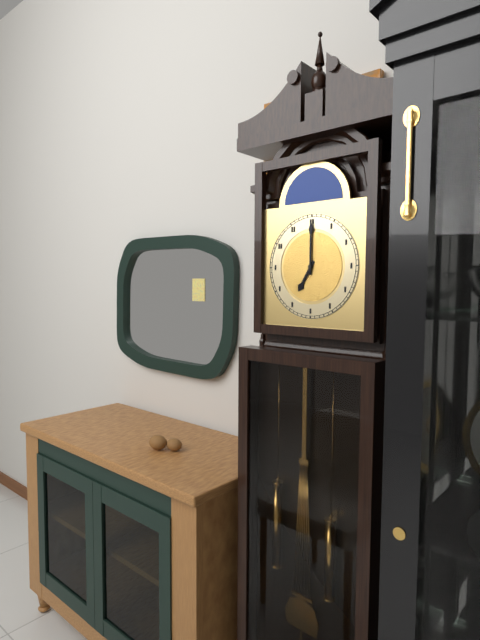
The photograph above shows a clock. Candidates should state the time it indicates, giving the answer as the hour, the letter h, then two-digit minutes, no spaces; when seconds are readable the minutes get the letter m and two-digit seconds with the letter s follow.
7h00
